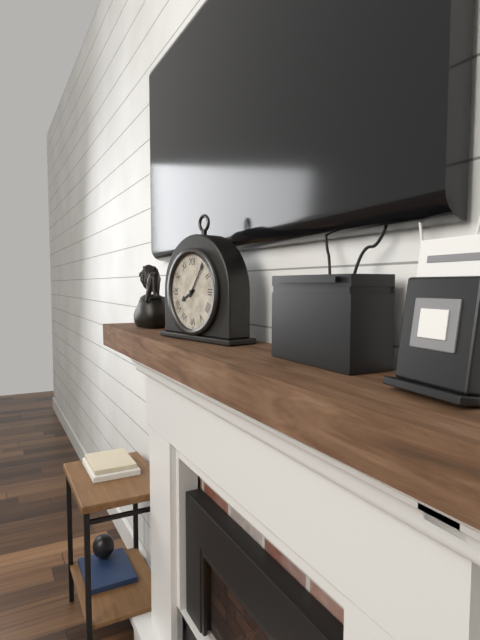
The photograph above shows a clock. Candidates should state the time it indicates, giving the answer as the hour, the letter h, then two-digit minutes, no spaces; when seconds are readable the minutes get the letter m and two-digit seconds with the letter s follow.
8h06
